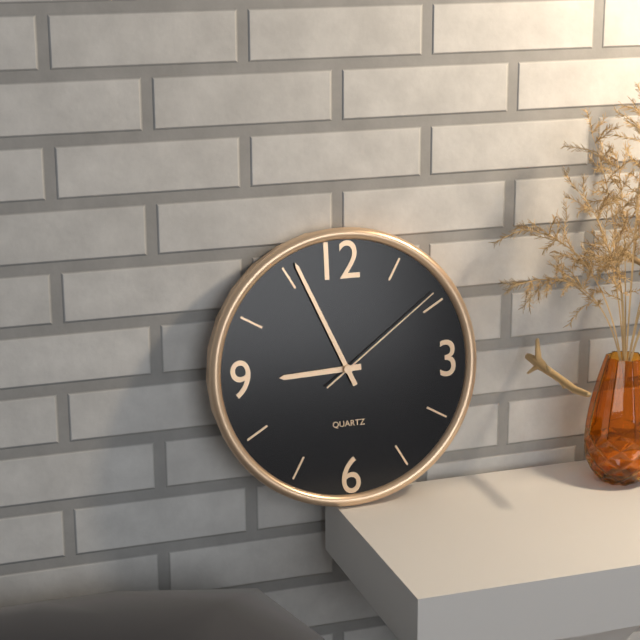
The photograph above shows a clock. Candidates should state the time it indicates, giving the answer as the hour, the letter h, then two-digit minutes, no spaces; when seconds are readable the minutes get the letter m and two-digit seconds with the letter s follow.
8h56m09s
